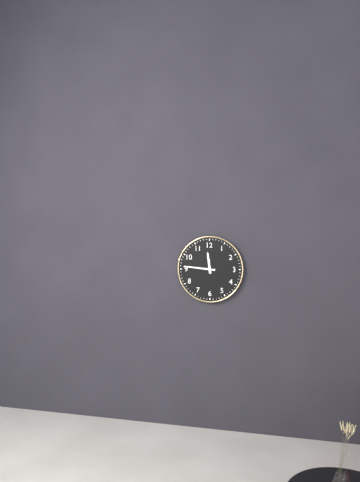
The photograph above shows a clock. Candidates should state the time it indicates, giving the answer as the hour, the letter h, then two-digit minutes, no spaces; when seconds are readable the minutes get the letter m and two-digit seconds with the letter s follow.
11h46
